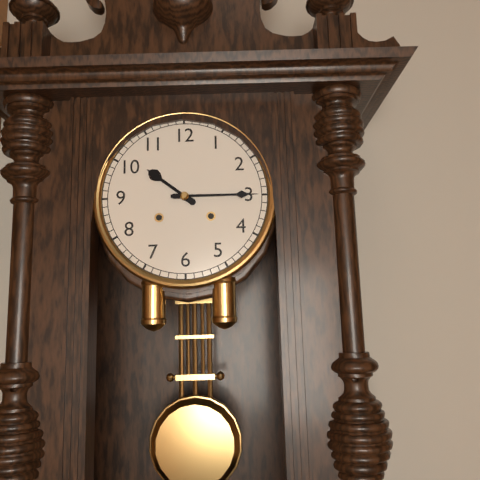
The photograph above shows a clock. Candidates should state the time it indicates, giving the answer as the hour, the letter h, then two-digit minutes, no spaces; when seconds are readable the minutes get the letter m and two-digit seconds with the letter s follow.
10h15
